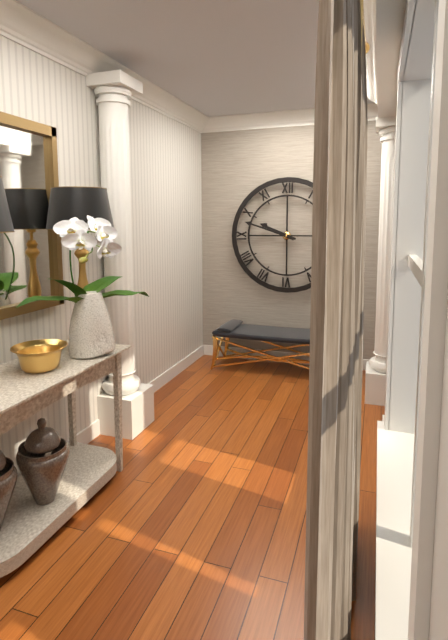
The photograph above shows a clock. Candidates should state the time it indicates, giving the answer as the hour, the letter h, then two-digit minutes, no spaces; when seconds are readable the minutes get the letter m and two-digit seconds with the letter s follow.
9h48
